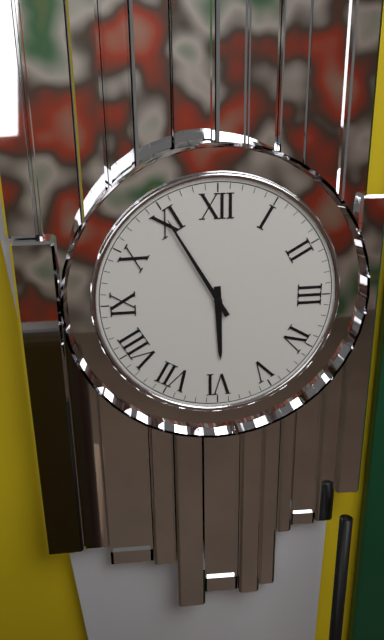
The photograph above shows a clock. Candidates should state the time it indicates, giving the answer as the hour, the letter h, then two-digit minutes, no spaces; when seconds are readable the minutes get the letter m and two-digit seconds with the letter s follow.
5h55
